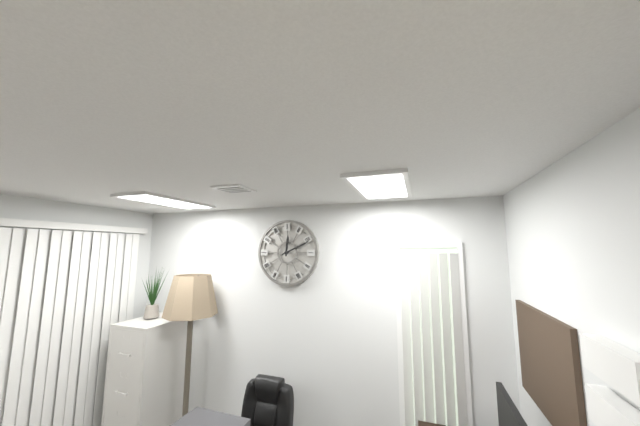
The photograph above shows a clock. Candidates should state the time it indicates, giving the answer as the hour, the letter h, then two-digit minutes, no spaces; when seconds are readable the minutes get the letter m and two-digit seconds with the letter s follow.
12h11
